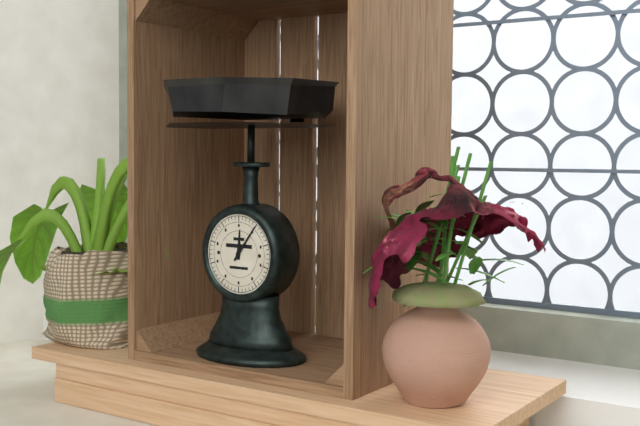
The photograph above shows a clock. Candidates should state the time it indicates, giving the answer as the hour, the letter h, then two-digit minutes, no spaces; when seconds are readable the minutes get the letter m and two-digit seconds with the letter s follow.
12h06
